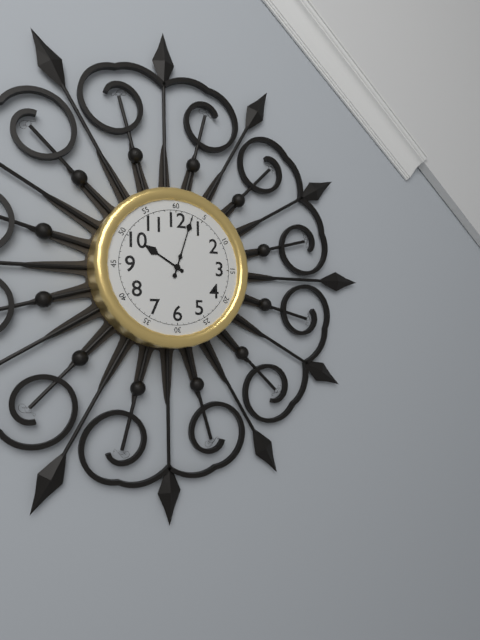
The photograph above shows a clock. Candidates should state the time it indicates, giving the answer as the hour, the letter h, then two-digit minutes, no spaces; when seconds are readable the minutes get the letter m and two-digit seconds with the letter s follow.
10h03
